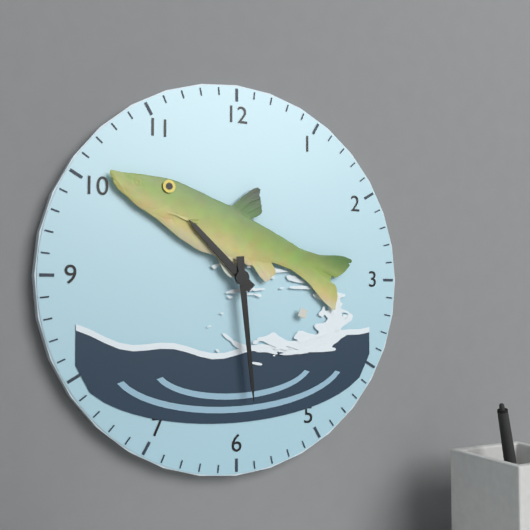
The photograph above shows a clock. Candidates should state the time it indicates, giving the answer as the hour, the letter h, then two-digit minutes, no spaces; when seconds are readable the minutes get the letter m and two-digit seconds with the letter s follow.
10h29
